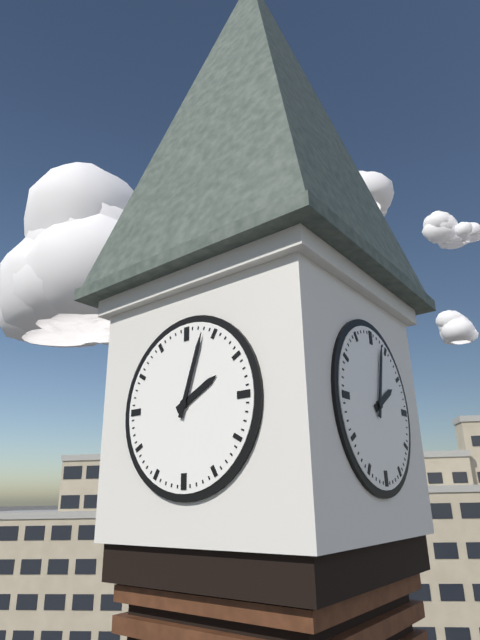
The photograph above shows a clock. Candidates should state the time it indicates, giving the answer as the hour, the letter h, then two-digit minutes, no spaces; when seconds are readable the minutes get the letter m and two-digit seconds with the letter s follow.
2h03
